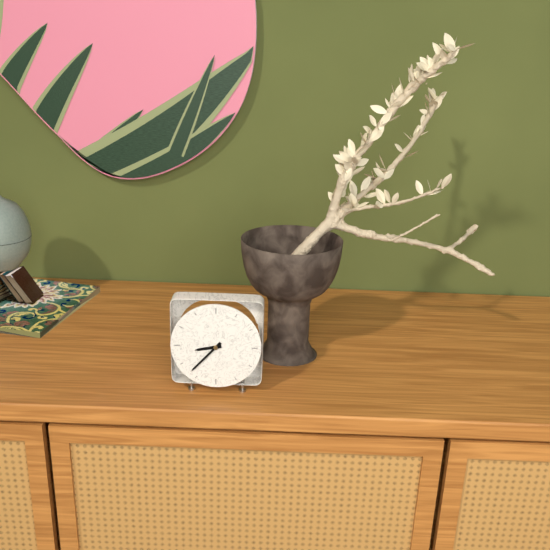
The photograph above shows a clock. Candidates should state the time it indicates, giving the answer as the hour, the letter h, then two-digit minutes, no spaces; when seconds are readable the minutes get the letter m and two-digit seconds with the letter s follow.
8h37
